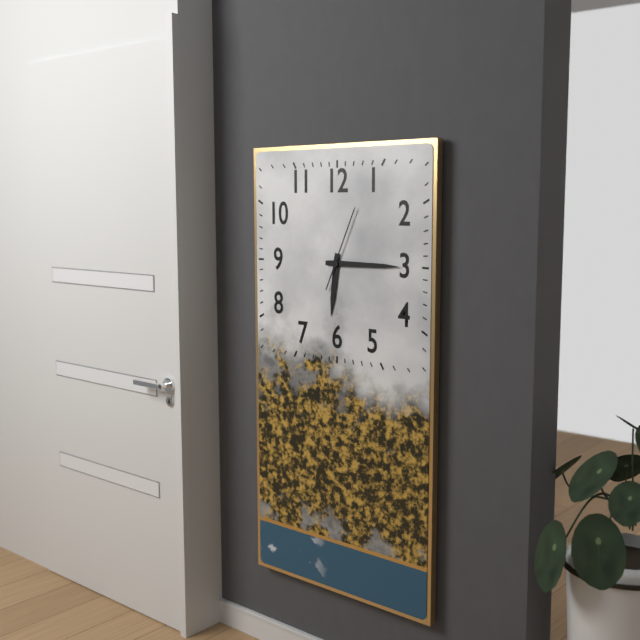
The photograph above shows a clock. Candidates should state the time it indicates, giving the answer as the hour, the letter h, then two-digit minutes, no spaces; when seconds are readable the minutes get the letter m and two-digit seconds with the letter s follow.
6h15m04s
